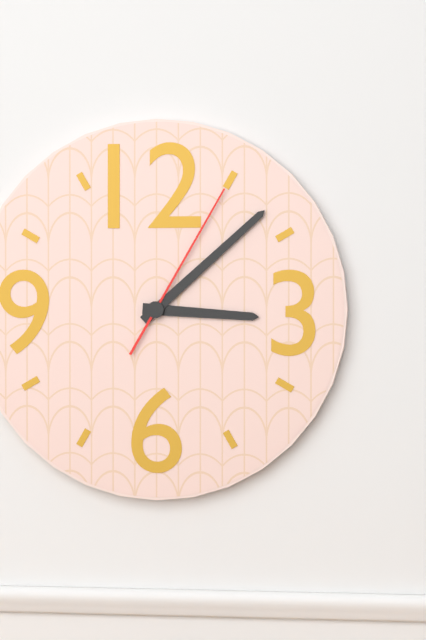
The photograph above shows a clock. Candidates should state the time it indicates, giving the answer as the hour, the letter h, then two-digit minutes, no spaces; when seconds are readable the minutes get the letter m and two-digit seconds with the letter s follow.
3h08m05s
